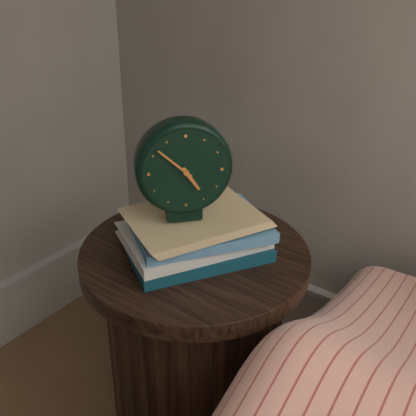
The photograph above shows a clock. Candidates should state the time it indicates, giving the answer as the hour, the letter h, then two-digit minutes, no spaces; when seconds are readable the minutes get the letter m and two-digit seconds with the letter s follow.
4h52
